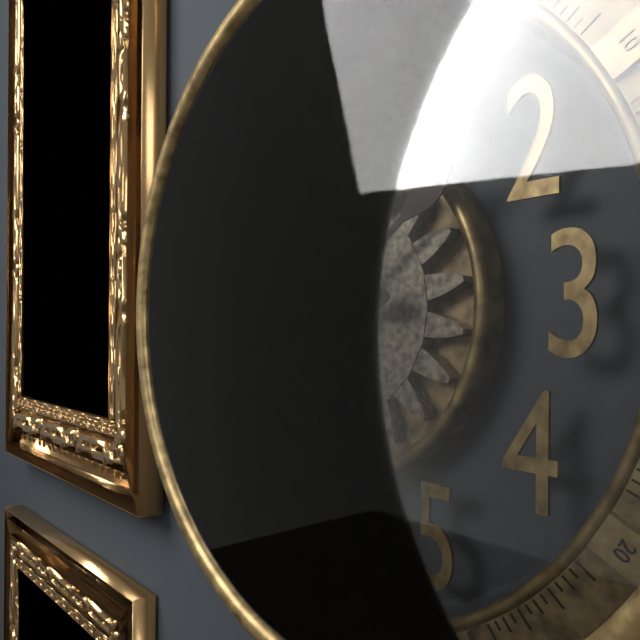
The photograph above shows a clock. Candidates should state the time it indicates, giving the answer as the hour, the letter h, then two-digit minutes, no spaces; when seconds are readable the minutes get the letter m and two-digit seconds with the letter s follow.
1h44
